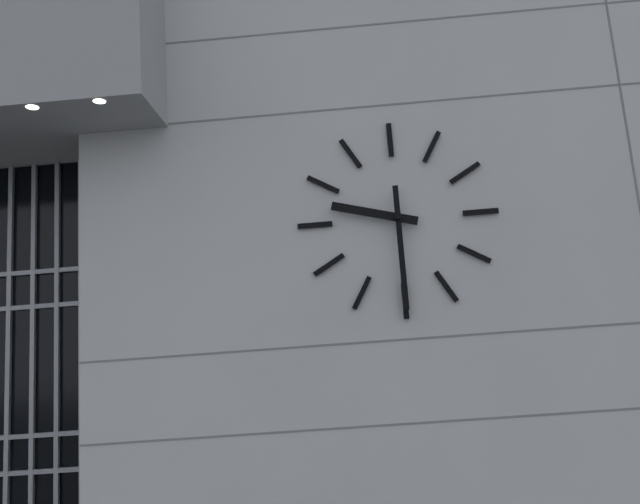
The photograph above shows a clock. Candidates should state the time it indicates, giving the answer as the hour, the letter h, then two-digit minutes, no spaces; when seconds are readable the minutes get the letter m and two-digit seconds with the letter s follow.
9h30
